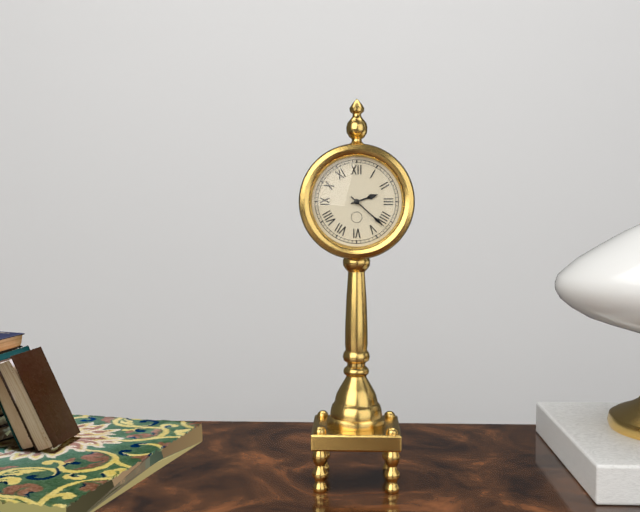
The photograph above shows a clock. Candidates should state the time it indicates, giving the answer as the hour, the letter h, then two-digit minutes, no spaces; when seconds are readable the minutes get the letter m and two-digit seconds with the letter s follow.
2h22
